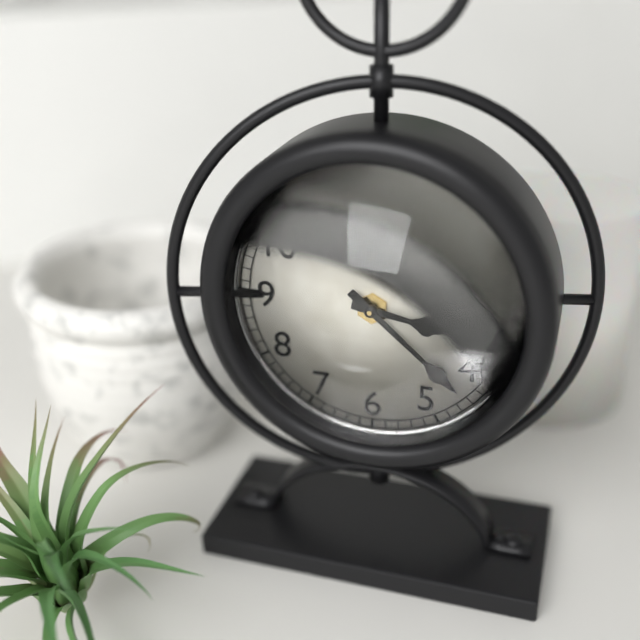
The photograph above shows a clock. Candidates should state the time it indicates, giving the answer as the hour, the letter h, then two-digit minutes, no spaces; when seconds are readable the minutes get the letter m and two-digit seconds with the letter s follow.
3h22
